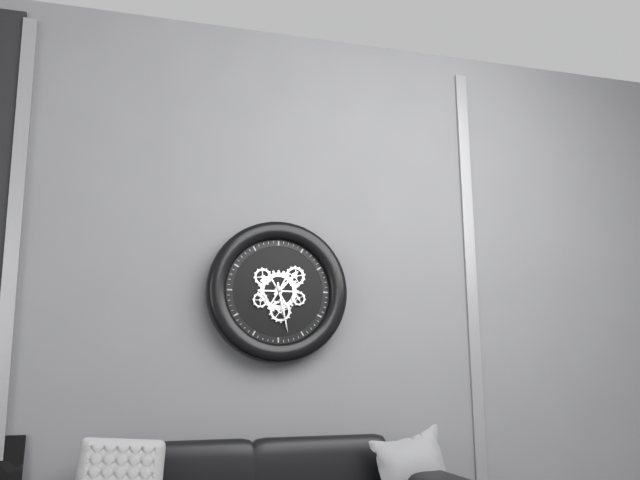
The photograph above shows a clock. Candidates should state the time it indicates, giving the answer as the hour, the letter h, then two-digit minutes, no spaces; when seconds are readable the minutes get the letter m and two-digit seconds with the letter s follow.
1h28
